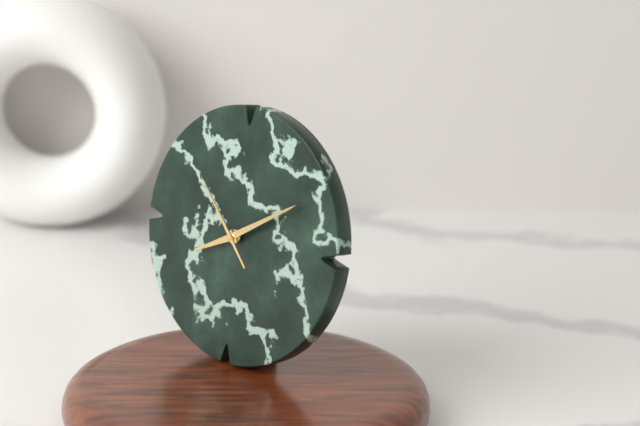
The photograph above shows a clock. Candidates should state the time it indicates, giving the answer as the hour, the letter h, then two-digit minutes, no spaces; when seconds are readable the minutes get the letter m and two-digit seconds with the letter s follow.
8h10m53s
